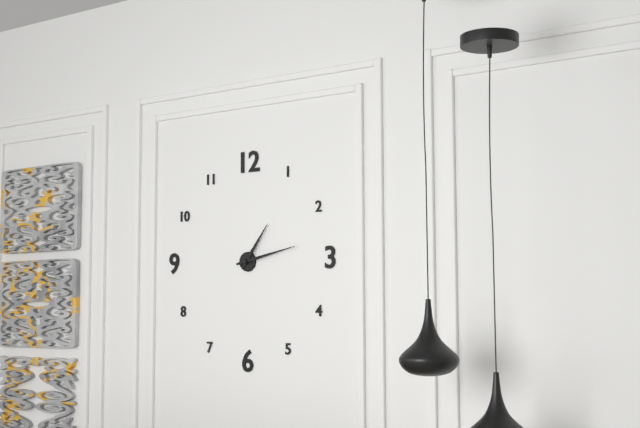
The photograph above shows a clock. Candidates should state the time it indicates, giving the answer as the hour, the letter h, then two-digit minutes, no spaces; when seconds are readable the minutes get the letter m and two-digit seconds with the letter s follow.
1h13
